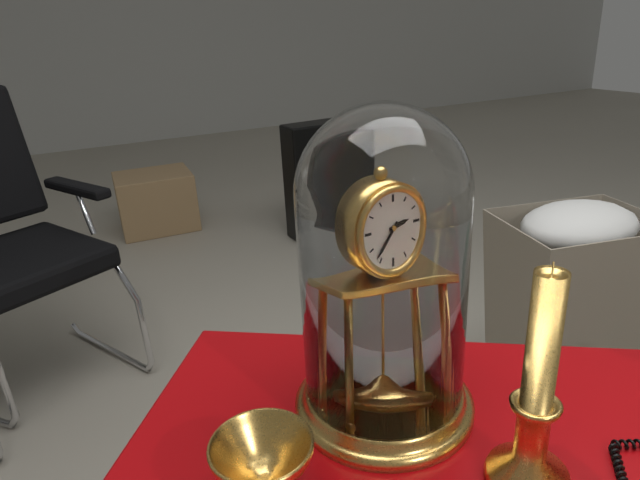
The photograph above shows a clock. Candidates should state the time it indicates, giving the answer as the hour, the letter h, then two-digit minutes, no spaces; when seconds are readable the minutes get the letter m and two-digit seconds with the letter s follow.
2h37
